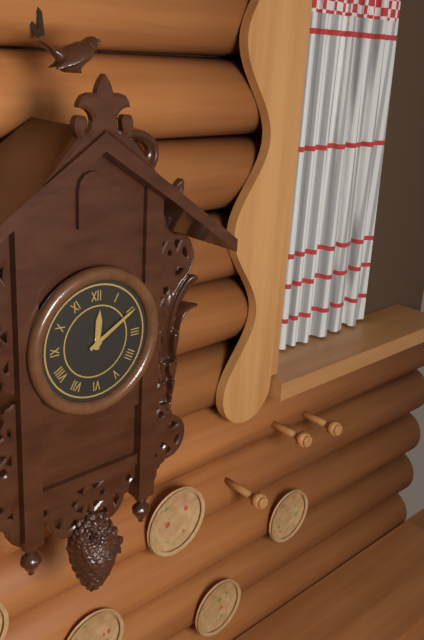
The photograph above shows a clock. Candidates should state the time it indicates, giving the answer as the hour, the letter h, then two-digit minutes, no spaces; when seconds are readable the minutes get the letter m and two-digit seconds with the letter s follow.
12h10
